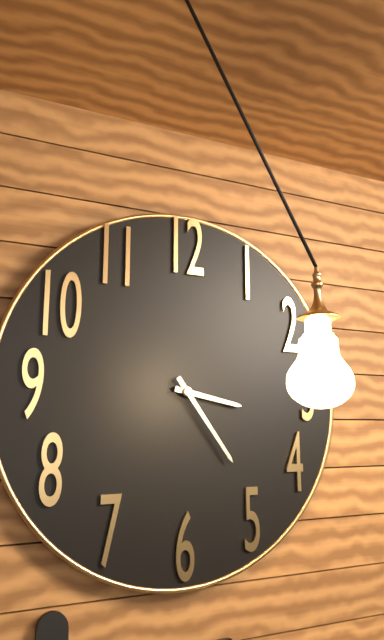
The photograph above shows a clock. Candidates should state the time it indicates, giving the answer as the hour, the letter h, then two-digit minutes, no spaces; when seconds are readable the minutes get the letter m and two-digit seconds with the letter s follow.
3h24
